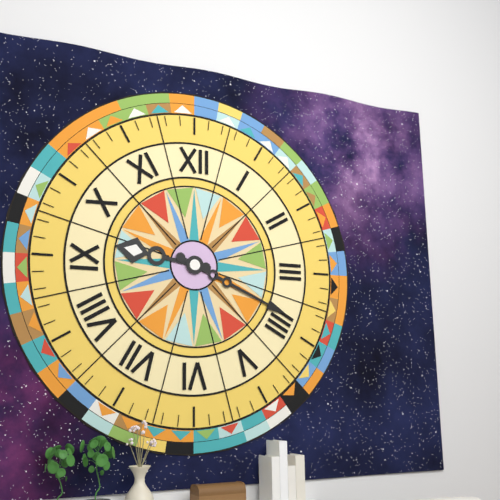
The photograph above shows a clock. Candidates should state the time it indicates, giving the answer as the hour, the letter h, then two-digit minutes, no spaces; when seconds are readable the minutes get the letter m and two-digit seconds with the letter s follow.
9h19
